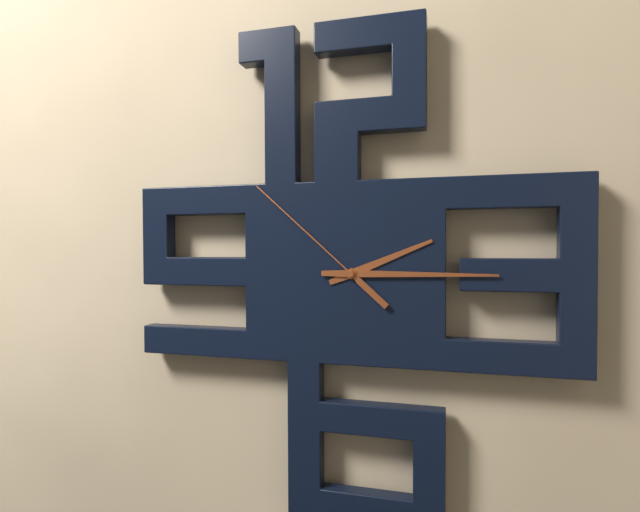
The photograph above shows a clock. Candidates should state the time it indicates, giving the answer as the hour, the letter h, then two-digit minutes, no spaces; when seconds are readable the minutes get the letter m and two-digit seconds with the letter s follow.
2h15m52s
